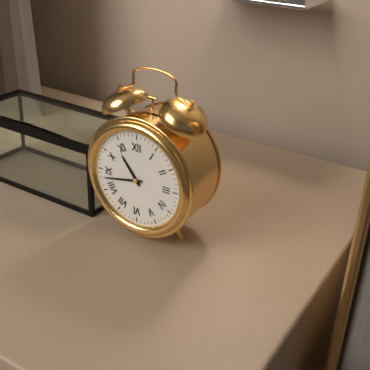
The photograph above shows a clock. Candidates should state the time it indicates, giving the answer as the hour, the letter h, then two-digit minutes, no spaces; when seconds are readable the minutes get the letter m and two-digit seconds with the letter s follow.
10h43
